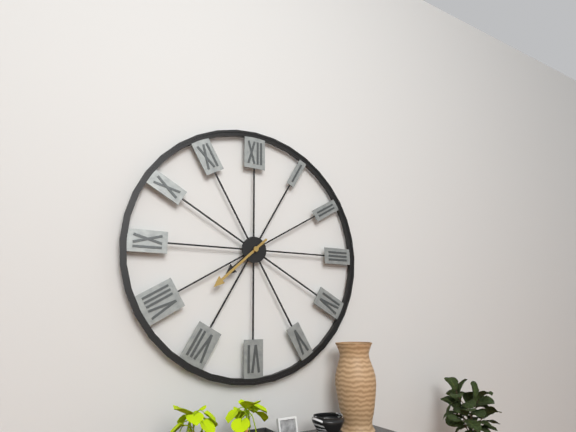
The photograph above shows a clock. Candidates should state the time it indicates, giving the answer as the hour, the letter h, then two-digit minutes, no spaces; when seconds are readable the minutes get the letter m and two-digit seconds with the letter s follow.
7h38
